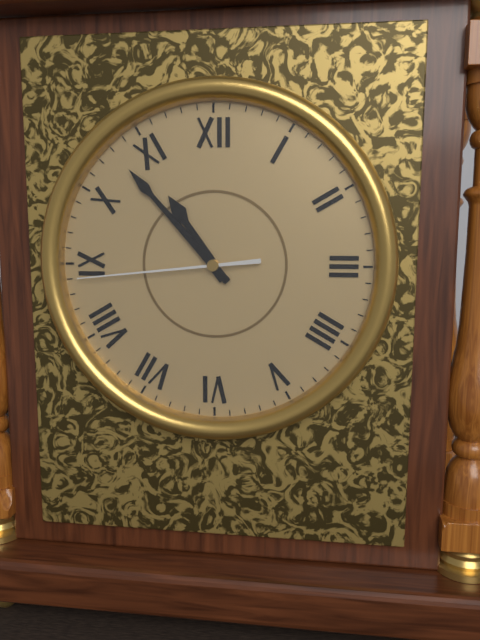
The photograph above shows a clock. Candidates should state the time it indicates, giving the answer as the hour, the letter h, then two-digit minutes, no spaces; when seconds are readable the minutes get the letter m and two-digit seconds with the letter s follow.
10h53m44s
